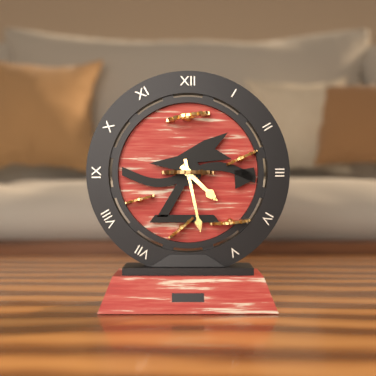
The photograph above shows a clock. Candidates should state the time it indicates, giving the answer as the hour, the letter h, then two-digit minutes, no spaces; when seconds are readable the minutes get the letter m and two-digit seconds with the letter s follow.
4h28
